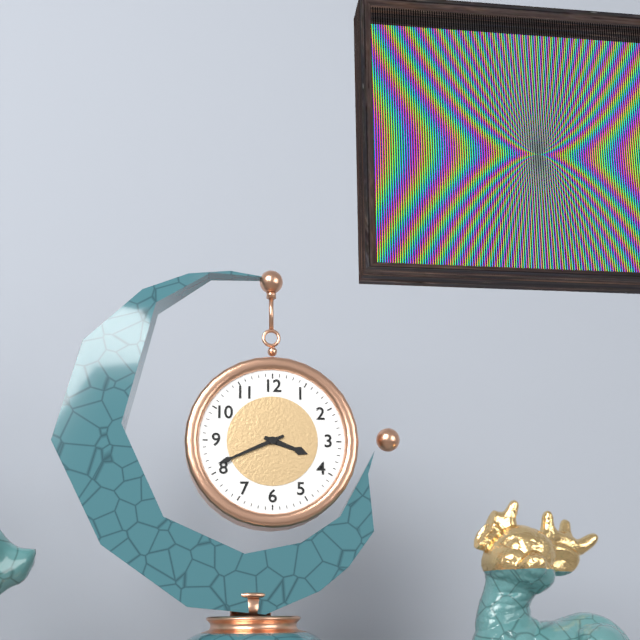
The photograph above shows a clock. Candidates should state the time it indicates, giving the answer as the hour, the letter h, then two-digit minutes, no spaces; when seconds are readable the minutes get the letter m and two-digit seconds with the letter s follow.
3h41
